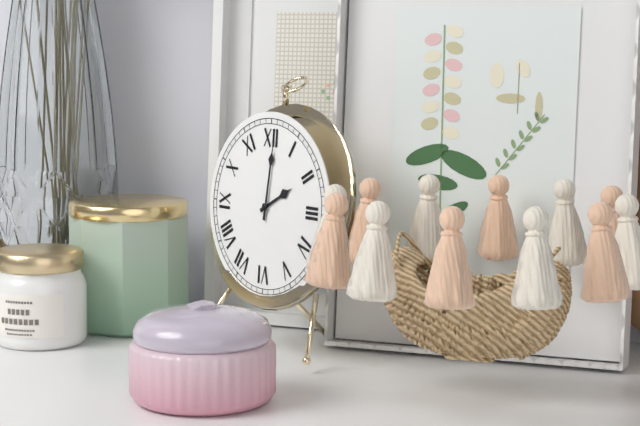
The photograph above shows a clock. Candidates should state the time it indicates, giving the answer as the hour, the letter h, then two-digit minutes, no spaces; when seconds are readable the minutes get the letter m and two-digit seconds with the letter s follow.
2h01
